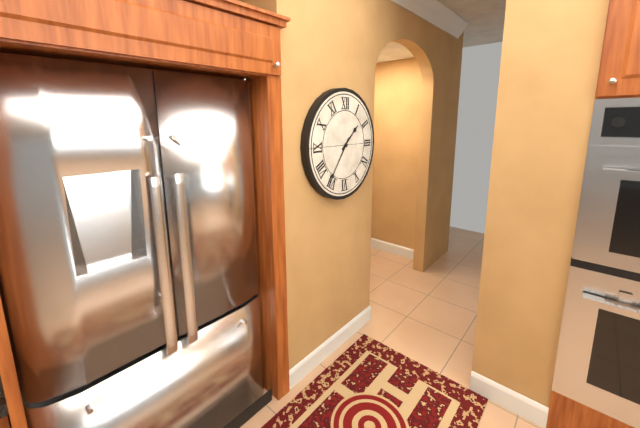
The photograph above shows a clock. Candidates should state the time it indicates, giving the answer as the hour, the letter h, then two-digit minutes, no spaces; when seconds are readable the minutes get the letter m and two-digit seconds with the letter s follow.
1h36
